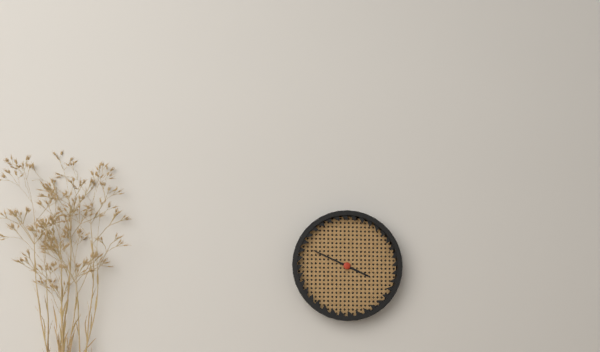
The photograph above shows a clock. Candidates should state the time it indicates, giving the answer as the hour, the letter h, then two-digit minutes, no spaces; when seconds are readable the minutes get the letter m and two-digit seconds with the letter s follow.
3h49
